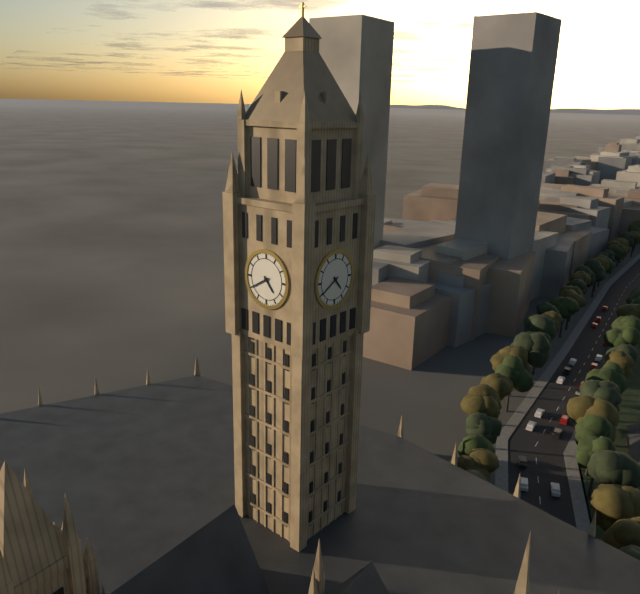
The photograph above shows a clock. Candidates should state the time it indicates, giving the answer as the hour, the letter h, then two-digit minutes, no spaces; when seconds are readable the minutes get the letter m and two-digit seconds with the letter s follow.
4h40
